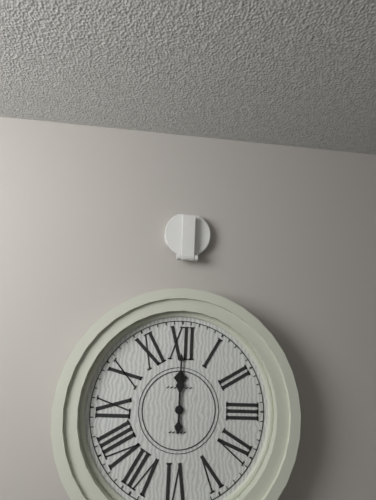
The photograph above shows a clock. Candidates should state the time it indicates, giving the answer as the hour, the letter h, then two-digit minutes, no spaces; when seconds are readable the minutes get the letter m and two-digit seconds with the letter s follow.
12h00
